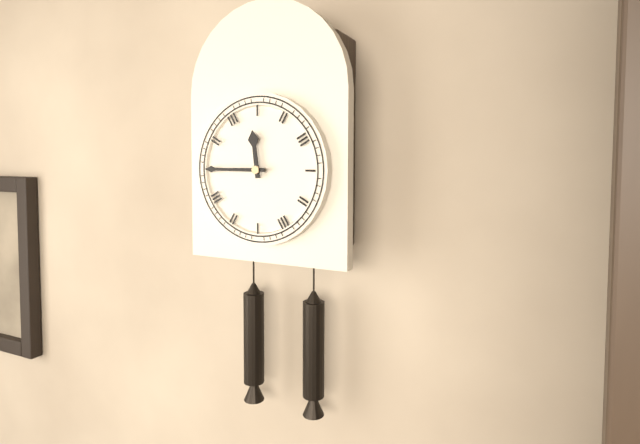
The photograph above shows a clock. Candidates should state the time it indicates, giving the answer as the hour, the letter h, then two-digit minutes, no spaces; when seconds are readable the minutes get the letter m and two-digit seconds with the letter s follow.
11h45
